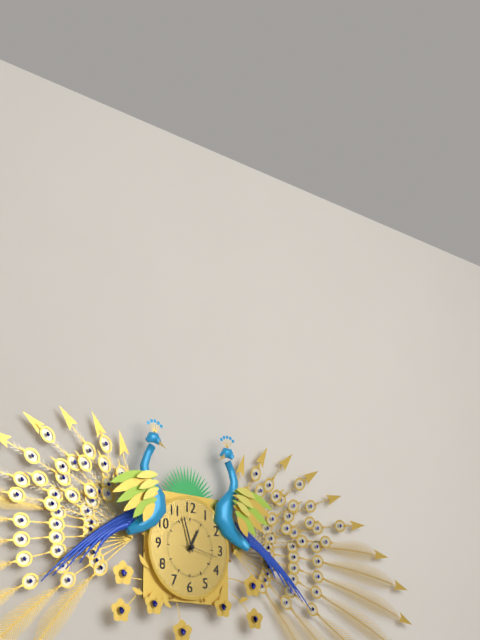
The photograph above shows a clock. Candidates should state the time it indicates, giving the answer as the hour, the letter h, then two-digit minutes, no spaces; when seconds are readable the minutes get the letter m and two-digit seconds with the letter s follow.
12h57
